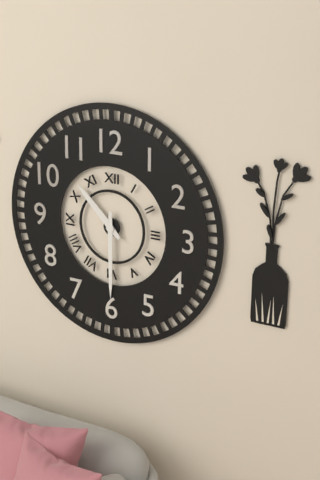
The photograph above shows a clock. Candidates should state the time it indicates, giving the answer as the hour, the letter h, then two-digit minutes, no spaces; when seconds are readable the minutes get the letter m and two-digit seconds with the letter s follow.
10h30
